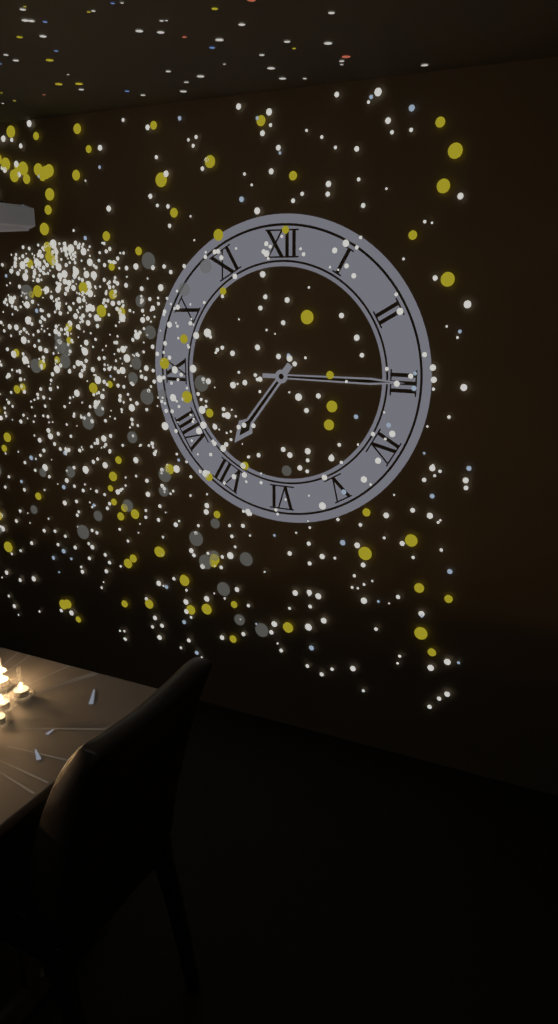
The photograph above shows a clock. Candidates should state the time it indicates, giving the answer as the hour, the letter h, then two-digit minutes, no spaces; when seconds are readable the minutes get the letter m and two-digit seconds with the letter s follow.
7h15
